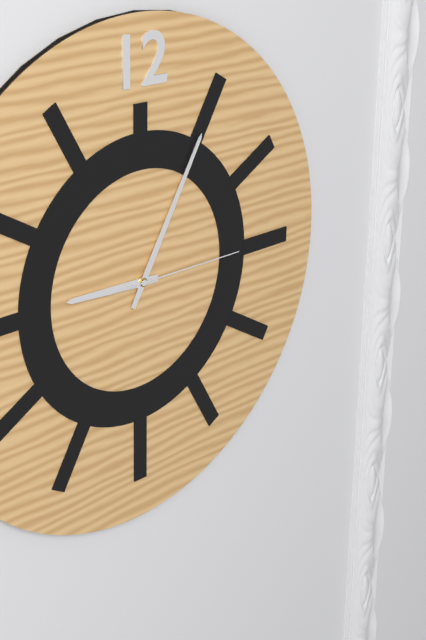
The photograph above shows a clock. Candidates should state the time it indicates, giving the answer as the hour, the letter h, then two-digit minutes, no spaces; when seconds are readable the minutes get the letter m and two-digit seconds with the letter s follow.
9h05m15s
